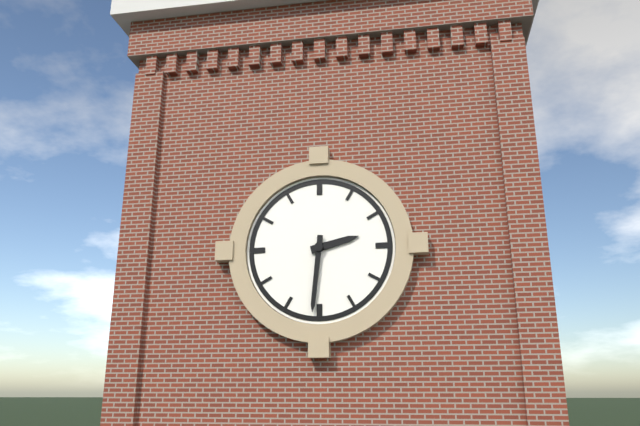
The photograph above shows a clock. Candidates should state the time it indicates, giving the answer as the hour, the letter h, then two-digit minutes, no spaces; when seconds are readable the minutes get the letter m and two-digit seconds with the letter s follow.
2h31
